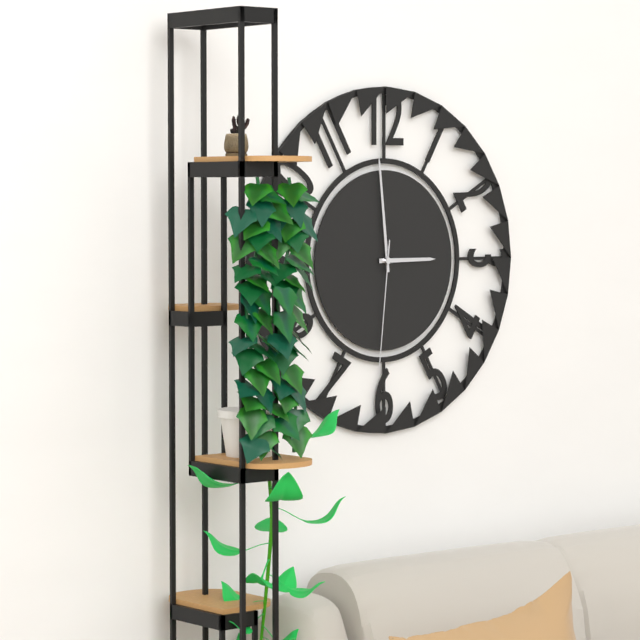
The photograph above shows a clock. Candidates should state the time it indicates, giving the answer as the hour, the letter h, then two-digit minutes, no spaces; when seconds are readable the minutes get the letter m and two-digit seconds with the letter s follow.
2h59m31s
